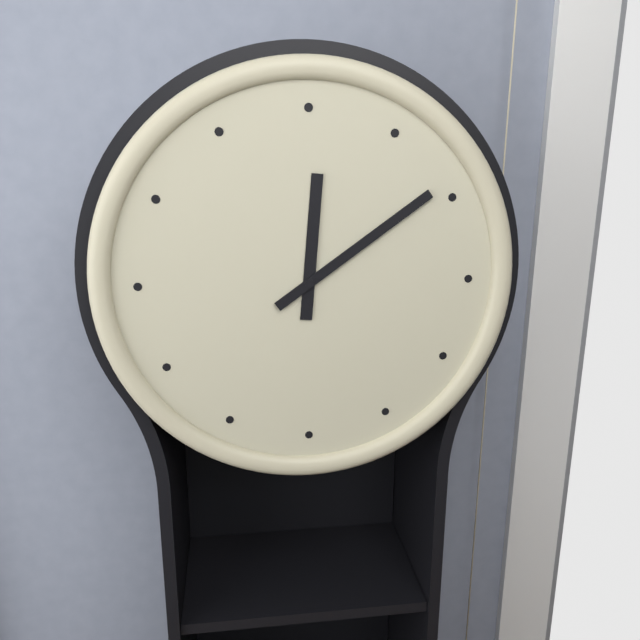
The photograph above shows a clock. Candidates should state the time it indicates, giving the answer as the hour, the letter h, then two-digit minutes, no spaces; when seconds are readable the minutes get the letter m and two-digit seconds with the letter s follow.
12h09
